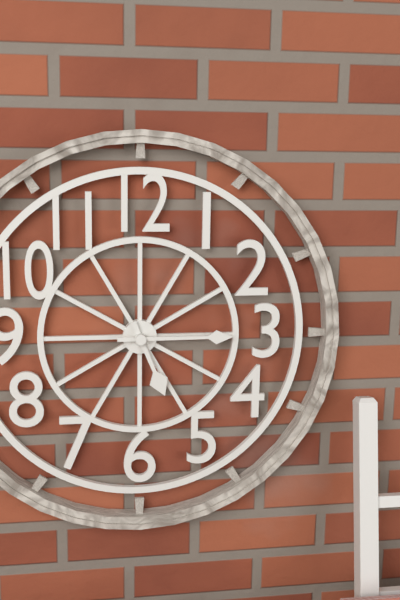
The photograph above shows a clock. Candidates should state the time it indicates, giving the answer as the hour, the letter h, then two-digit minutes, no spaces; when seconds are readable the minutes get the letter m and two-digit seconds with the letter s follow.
5h15
